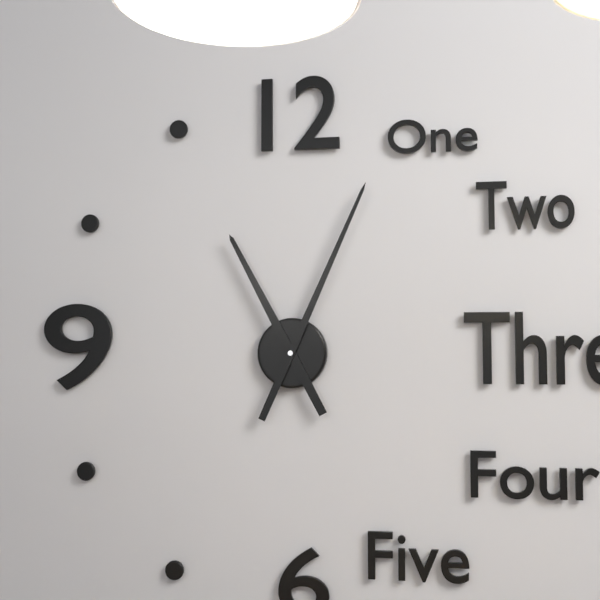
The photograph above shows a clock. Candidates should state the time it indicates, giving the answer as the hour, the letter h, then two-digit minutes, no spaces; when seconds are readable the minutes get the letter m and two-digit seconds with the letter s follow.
11h04
